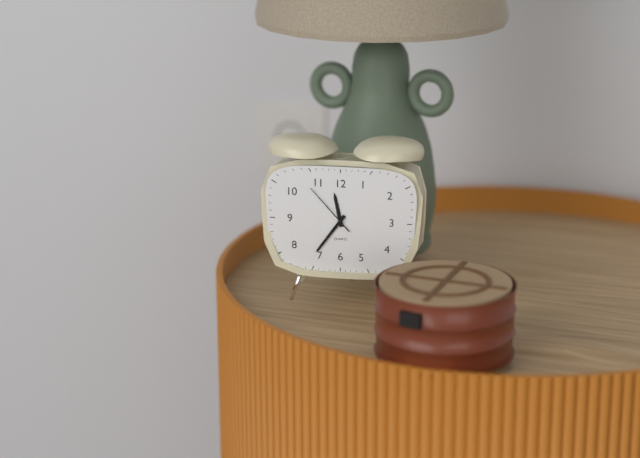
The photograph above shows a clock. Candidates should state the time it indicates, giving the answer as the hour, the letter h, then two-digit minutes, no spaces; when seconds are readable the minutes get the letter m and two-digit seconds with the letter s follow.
11h36m53s
